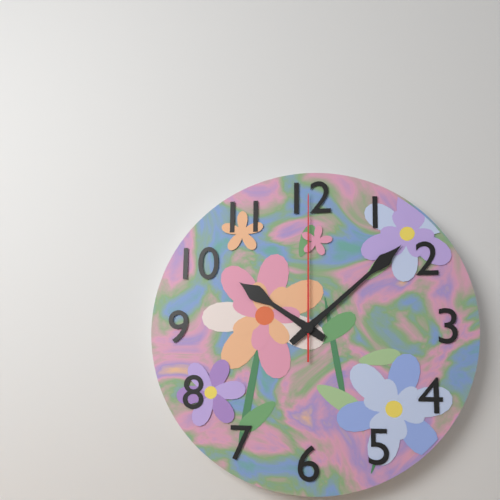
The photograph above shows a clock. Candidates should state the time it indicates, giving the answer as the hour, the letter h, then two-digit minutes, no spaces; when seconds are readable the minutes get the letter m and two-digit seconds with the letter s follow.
10h08m00s
